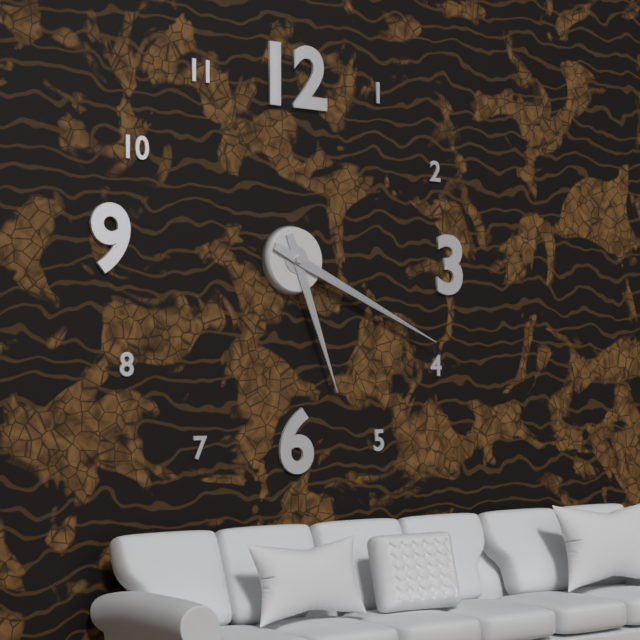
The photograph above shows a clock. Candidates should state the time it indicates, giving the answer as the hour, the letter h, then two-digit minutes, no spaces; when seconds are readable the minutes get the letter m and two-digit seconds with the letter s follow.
5h19
